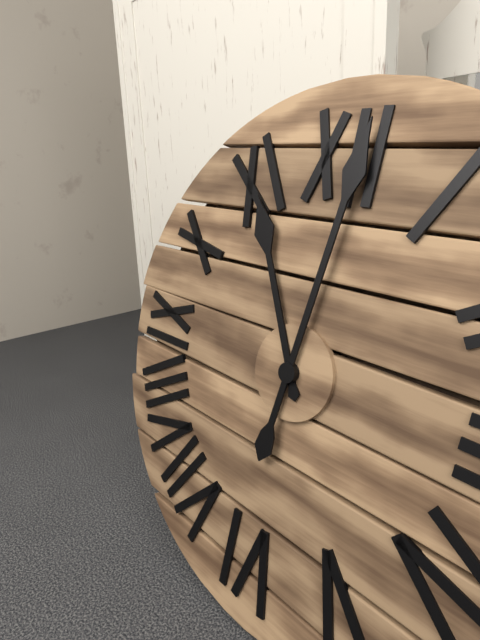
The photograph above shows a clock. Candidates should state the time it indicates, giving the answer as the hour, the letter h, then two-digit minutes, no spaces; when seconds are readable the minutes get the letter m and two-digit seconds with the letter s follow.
11h01
